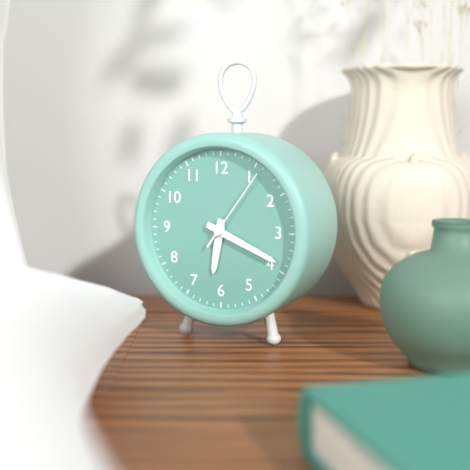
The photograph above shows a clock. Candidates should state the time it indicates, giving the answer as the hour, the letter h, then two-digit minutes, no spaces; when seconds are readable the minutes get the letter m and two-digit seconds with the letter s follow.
6h19m06s
